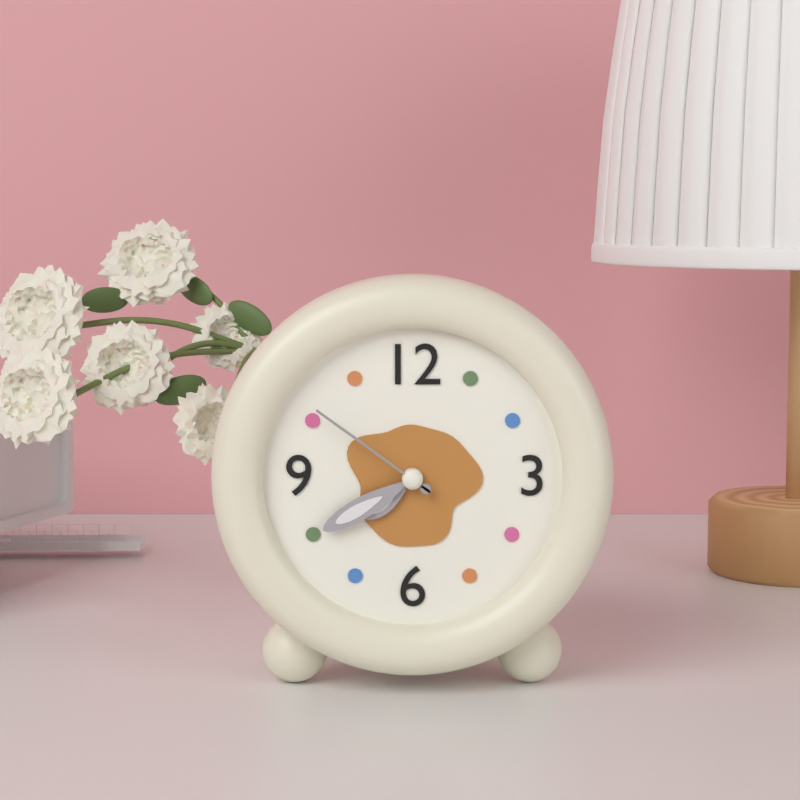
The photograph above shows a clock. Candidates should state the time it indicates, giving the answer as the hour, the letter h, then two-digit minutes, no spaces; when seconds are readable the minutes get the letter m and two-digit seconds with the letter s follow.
7h40m51s
